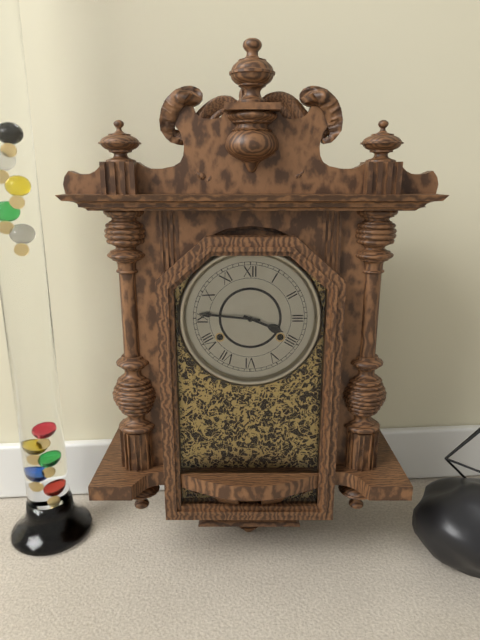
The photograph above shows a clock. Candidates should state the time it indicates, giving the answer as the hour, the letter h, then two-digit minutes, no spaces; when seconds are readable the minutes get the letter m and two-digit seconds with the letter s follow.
3h46
